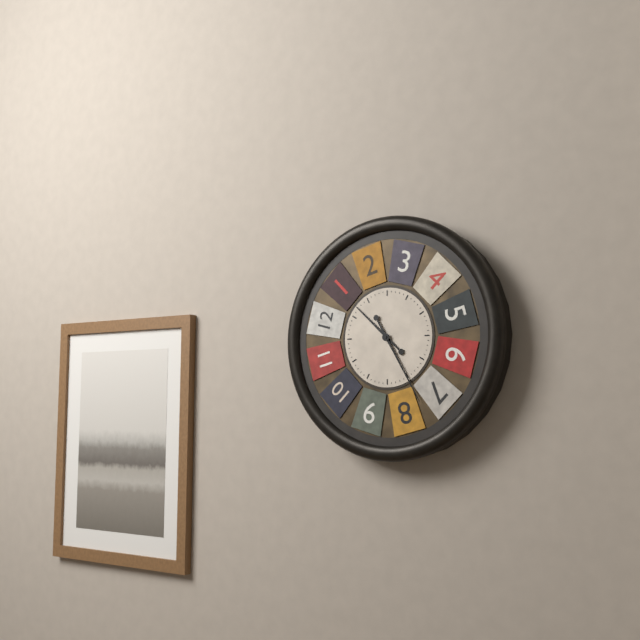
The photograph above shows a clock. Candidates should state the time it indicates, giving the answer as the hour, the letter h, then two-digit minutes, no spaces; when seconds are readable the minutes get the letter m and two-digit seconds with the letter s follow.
10h25
